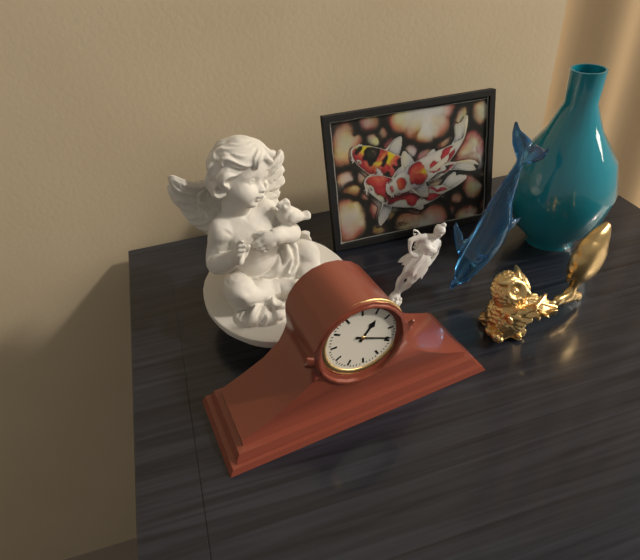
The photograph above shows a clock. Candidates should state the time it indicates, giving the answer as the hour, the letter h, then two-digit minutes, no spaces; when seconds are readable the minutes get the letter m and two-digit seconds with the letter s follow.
1h19
